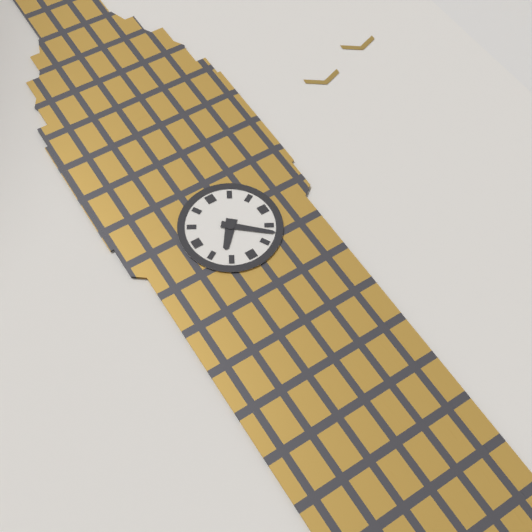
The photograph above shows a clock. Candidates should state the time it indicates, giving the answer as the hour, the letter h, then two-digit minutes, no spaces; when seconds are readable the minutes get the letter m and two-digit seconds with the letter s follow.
7h22
